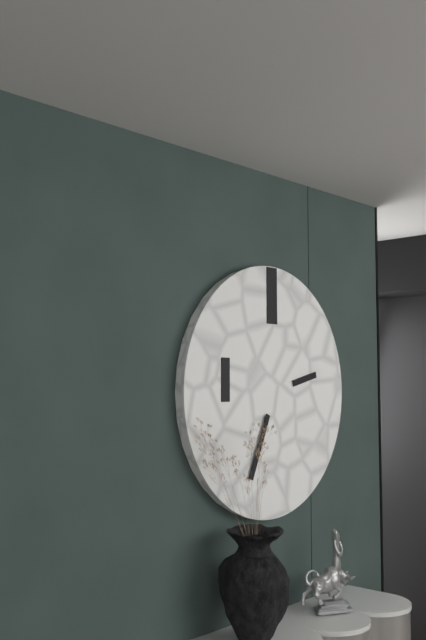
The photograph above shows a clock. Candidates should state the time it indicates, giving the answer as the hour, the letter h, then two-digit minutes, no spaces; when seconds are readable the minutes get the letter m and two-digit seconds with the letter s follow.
2h34
